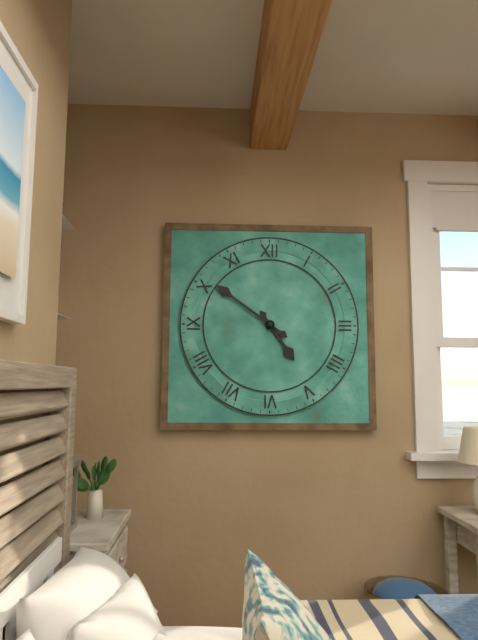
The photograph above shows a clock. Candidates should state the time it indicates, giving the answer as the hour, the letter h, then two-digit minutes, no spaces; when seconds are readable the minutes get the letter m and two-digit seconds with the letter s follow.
4h51
